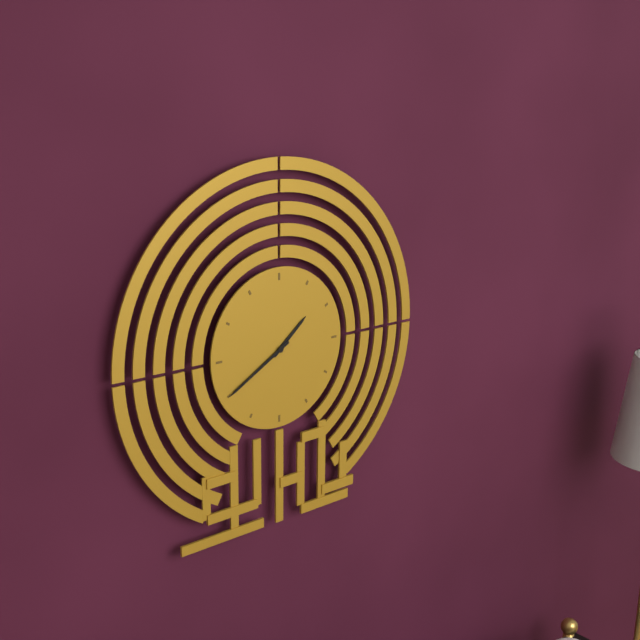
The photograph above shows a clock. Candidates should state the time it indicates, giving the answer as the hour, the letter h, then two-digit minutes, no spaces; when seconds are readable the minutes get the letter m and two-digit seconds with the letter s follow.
1h40
